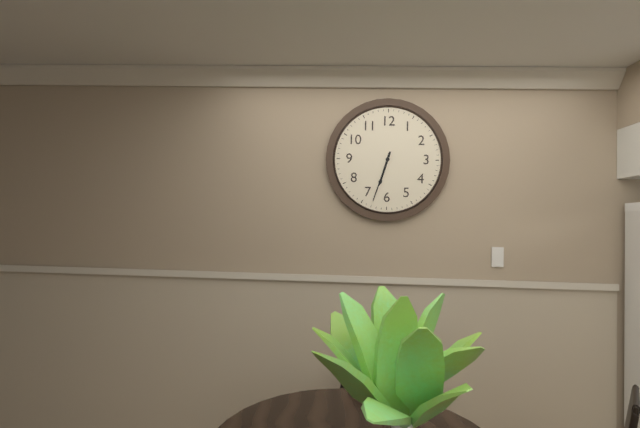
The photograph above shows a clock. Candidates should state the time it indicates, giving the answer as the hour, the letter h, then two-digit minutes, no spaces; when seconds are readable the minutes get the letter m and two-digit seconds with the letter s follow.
6h33
